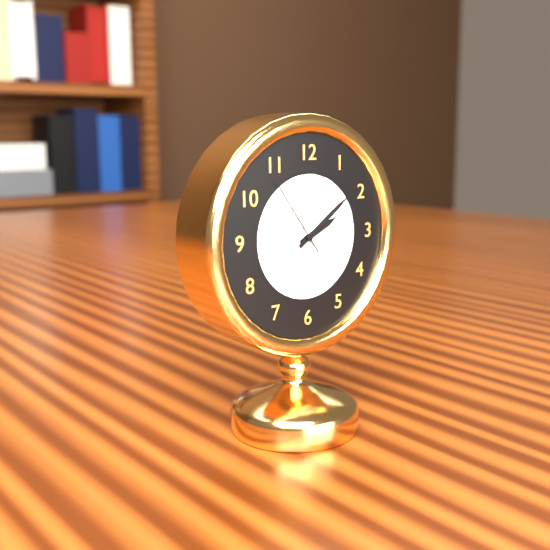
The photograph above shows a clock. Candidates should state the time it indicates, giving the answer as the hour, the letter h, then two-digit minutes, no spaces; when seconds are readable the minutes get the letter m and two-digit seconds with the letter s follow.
2h09m54s
